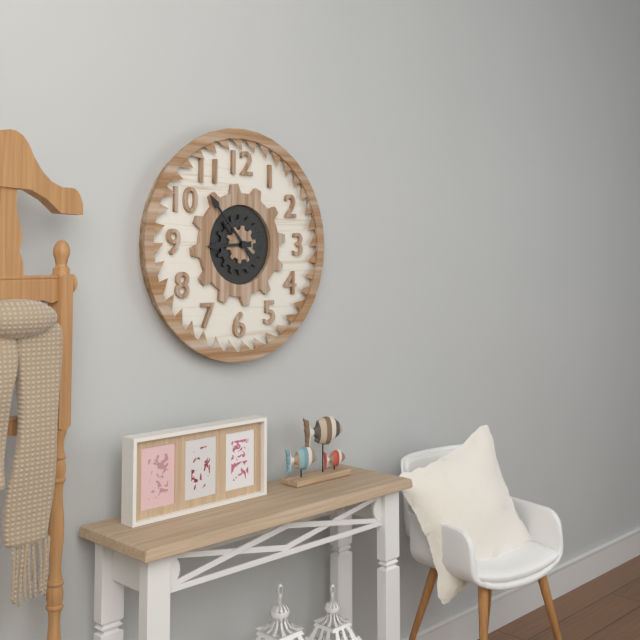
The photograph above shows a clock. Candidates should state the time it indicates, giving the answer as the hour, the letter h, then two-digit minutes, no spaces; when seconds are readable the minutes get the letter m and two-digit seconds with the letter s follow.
8h53
